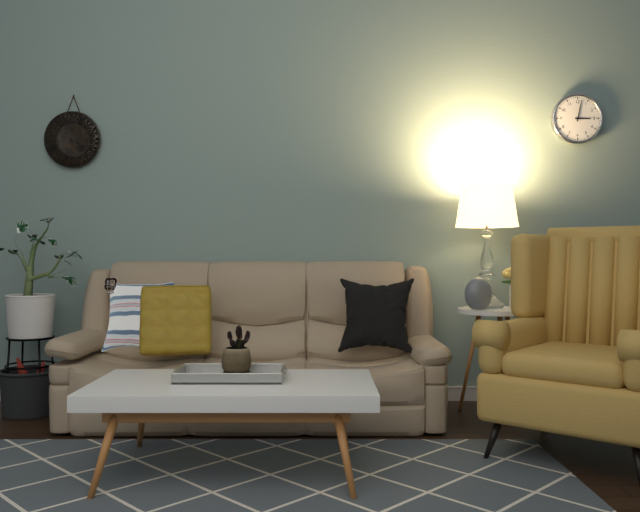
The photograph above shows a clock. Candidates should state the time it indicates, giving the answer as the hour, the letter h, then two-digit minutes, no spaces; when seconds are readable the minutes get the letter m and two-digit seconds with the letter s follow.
3h02
